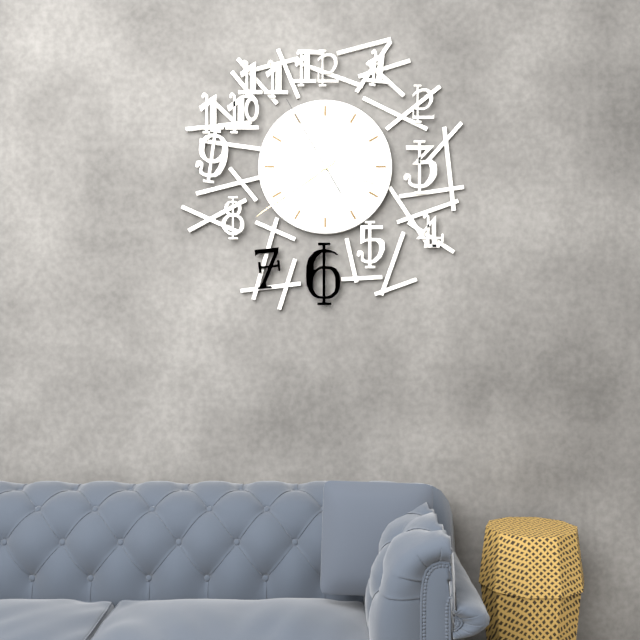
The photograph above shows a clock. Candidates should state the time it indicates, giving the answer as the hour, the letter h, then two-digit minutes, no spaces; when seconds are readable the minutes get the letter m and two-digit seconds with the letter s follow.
3h39m55s
